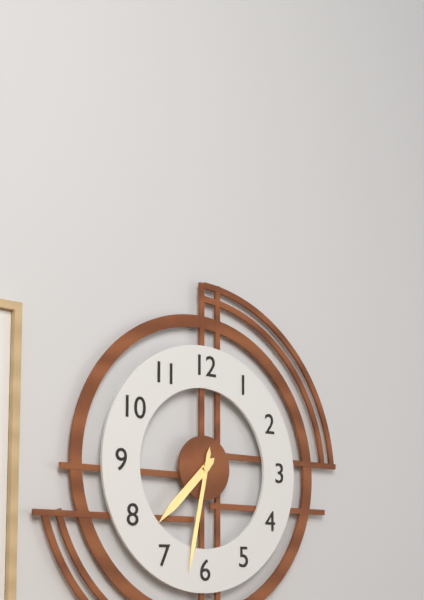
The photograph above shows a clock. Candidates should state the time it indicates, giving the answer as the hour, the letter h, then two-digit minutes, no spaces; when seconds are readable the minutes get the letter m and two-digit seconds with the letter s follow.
7h32
